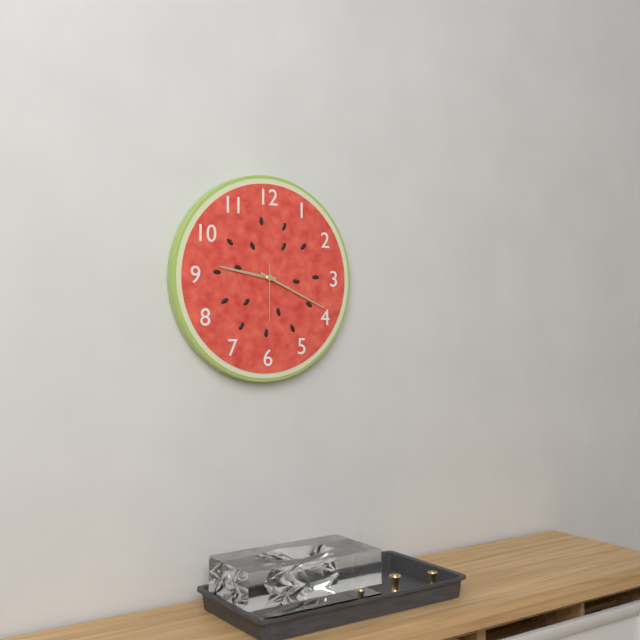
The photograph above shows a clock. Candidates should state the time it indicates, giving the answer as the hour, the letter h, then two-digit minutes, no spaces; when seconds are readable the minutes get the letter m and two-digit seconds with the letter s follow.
9h19m30s
